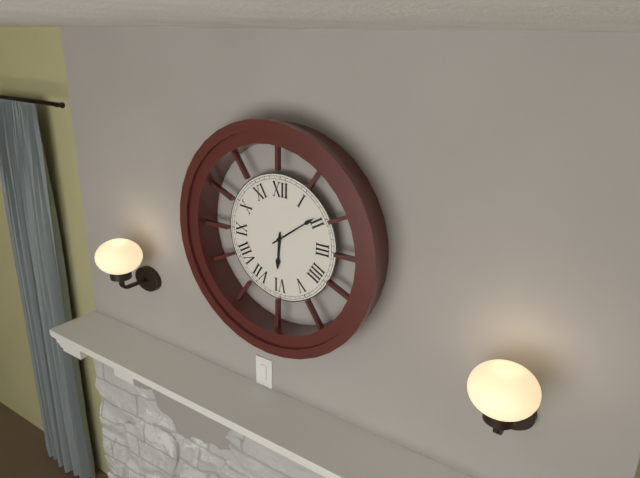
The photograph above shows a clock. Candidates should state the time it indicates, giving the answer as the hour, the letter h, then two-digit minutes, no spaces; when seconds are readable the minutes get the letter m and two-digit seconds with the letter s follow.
6h09
